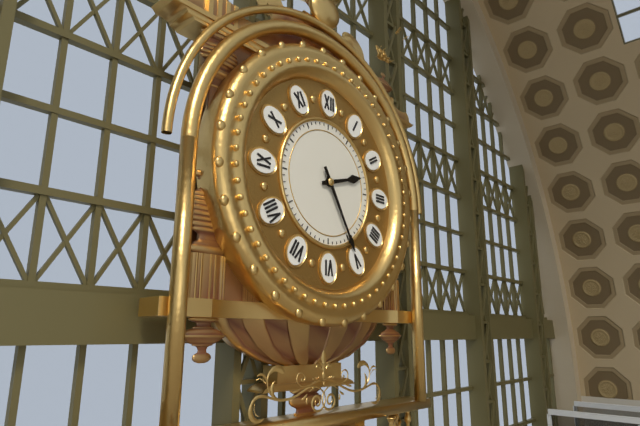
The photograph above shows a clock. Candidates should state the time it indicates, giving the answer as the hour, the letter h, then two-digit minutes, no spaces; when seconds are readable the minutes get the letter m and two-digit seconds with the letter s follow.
2h25
